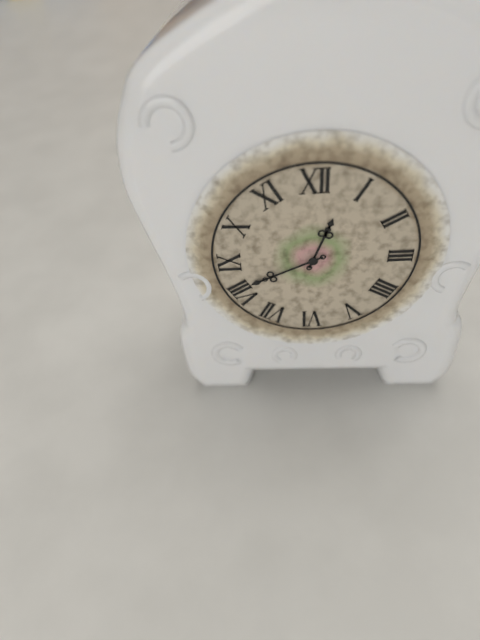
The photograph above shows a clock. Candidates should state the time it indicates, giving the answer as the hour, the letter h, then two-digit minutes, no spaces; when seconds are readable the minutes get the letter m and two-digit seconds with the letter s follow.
12h41
